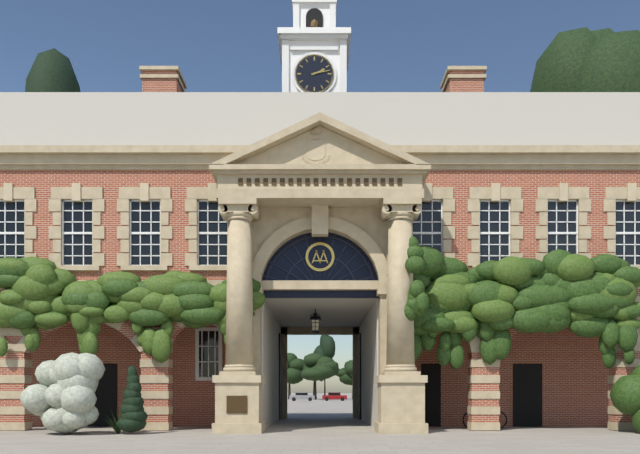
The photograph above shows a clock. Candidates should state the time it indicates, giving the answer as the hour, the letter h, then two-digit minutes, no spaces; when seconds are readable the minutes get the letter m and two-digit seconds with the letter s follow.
2h13
